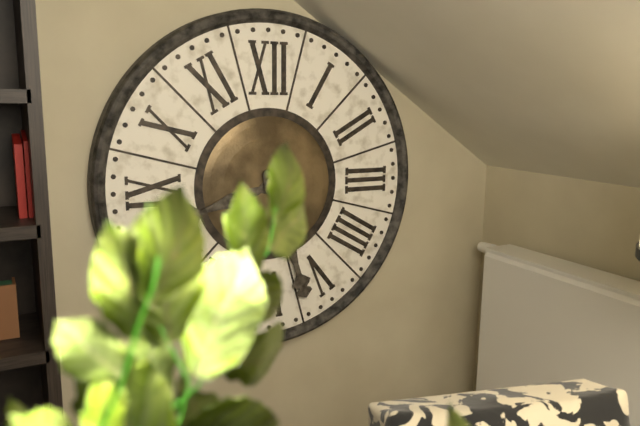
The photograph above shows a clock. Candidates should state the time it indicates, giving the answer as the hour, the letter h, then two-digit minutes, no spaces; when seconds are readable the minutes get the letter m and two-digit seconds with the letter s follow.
8h27
